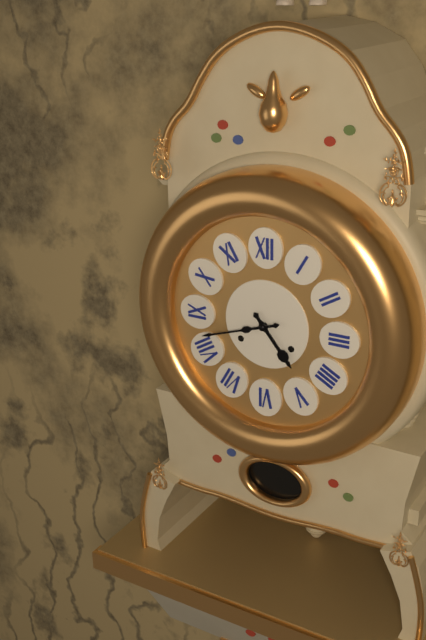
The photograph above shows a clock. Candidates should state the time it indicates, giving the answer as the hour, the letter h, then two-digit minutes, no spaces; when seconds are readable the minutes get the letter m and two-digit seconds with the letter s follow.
4h42
